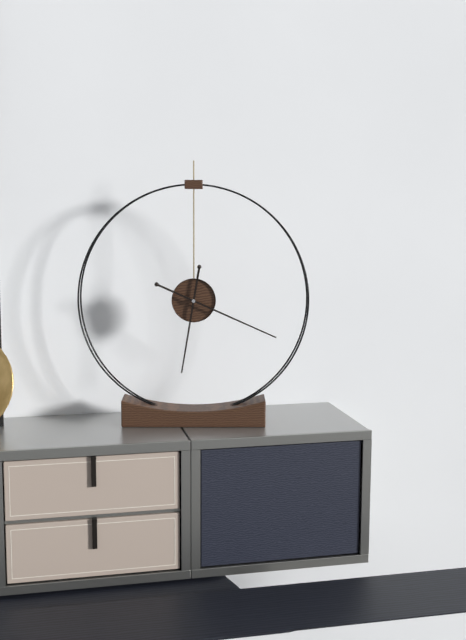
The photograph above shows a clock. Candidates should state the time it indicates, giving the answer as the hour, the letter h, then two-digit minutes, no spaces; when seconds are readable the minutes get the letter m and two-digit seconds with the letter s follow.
6h19
